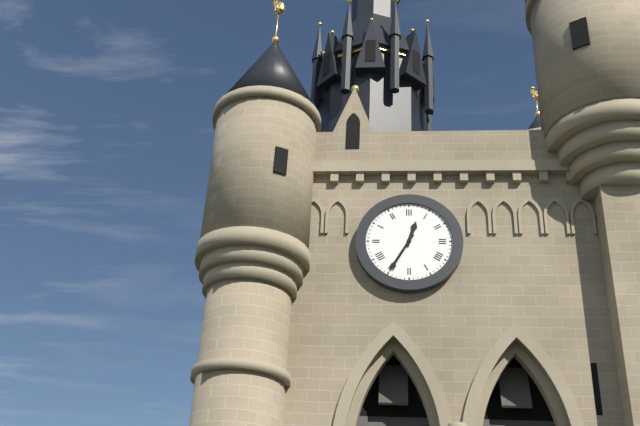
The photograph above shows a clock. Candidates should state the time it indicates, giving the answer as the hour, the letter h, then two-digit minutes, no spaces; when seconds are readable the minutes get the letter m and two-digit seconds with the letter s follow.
12h35
